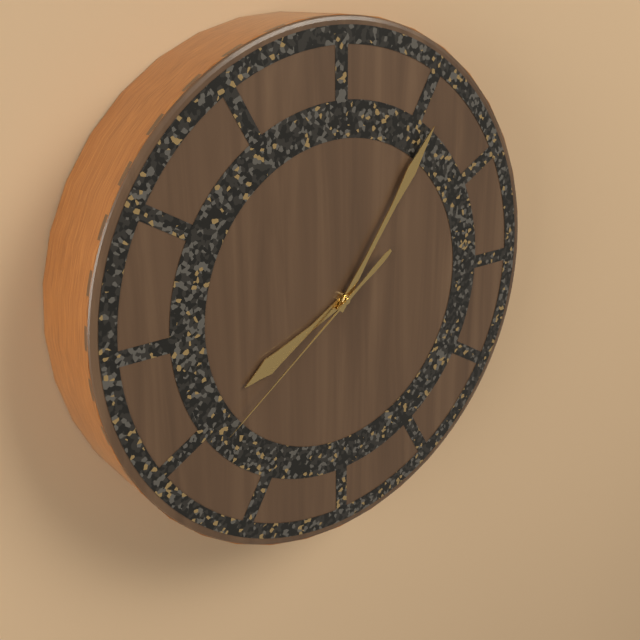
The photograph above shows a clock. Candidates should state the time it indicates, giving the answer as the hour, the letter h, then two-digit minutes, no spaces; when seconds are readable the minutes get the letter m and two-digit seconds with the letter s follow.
8h06m39s
